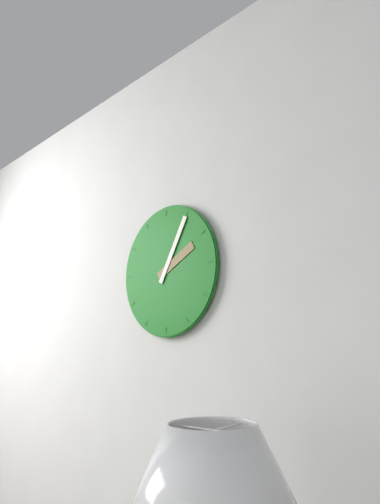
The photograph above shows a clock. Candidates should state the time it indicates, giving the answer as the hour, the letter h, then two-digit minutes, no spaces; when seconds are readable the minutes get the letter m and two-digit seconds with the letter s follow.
2h05
